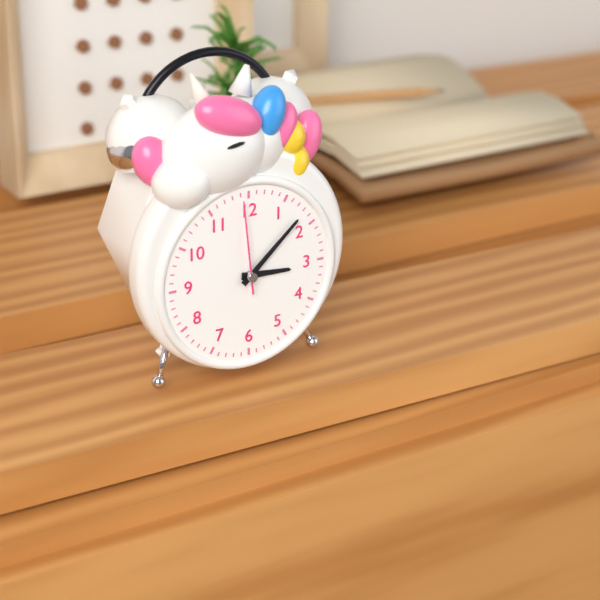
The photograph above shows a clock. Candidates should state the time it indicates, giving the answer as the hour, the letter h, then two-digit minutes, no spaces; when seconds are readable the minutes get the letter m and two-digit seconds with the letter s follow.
3h08m59s
